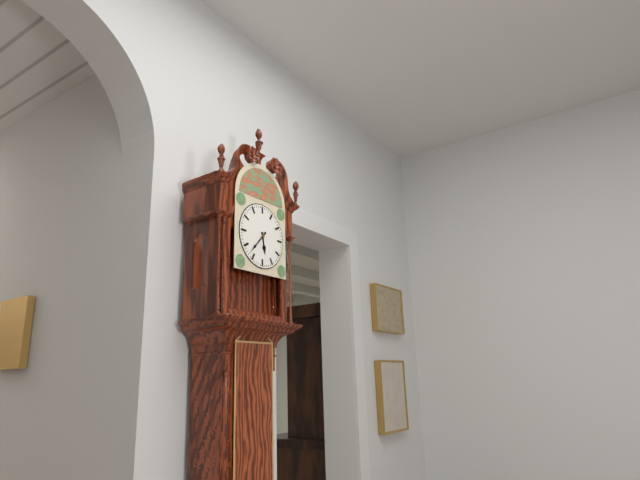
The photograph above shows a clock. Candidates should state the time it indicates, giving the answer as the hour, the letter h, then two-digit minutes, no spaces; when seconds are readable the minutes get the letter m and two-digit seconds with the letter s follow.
5h37
